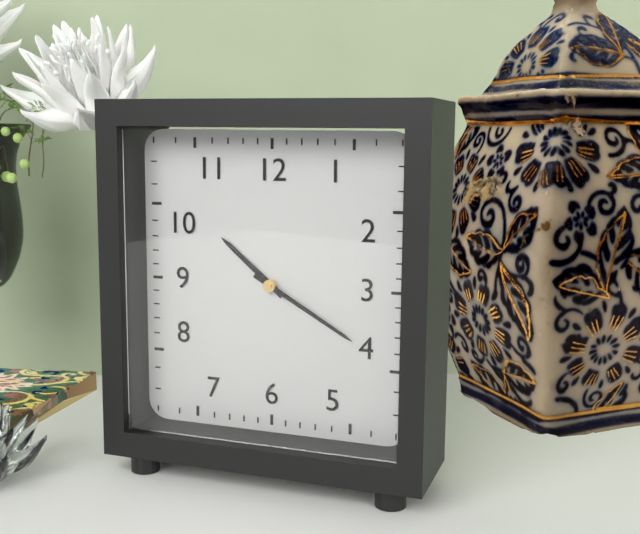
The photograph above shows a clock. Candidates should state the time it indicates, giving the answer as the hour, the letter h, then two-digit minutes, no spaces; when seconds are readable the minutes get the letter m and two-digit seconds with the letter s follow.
10h20
